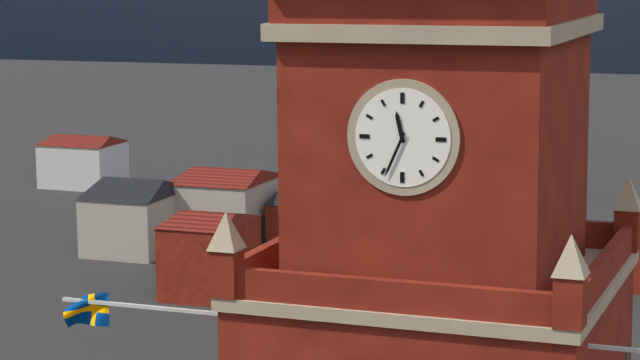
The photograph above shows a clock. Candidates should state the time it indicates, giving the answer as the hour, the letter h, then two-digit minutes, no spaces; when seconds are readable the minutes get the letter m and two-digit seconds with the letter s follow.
11h34
